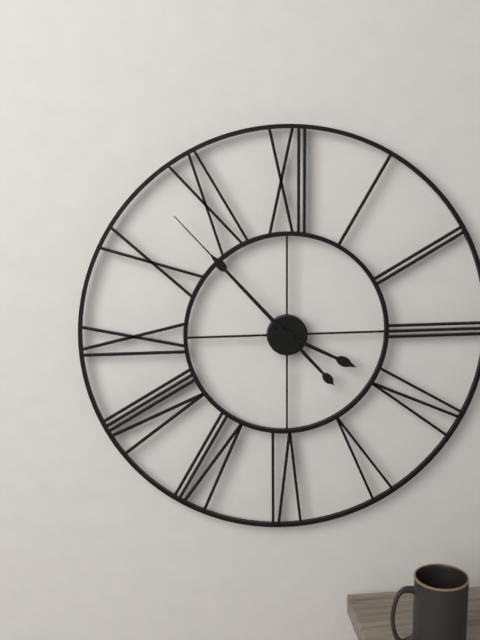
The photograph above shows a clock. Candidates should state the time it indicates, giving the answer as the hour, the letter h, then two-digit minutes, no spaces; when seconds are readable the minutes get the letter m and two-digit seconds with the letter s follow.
3h53
